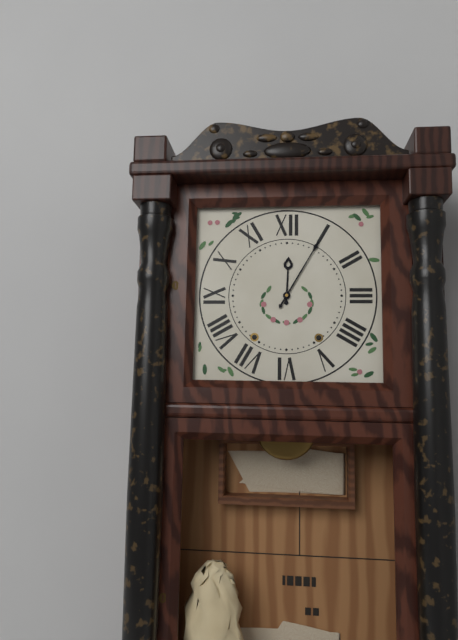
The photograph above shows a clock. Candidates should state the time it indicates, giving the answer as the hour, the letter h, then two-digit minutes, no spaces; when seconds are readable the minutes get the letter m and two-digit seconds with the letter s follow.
12h05
